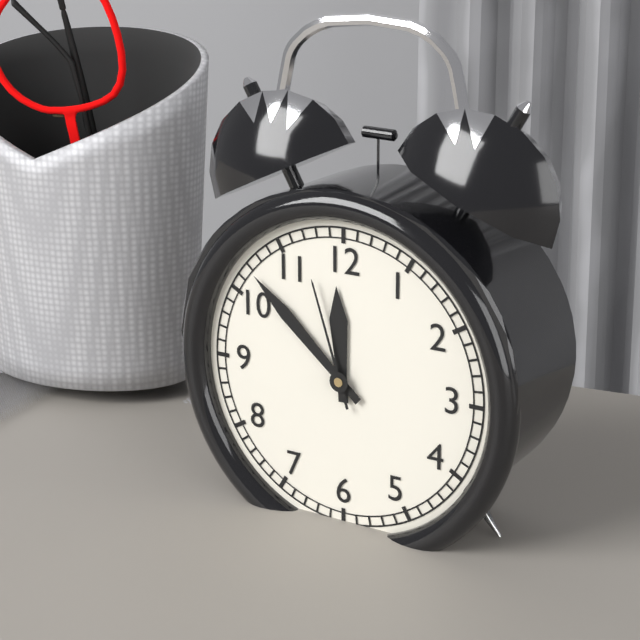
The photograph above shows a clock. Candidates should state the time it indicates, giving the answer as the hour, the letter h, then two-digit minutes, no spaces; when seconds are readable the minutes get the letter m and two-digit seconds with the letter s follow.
11h52m57s
